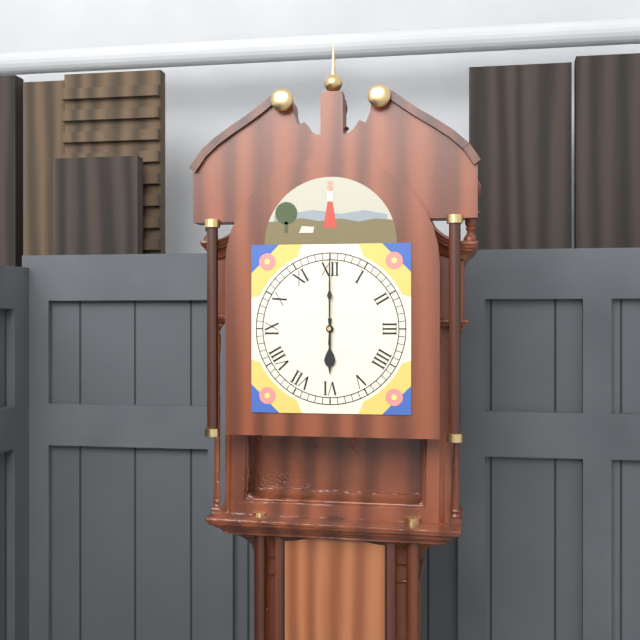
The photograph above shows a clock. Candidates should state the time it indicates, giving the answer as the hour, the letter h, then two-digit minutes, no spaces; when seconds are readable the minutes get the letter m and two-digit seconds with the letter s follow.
6h00
